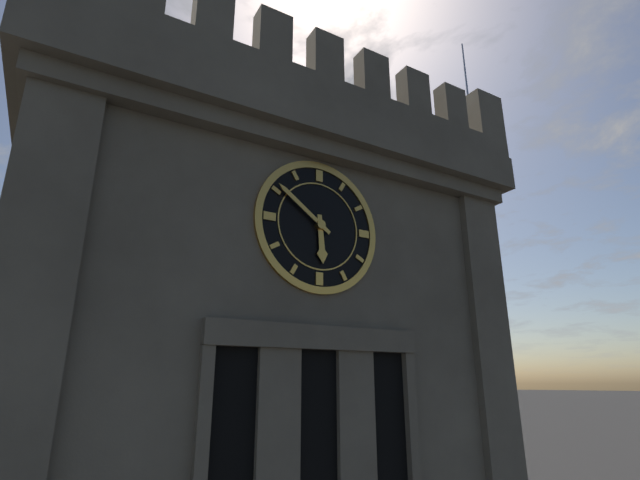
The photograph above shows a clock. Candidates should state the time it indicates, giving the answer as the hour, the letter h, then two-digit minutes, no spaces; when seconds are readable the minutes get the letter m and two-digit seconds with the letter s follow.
5h51
